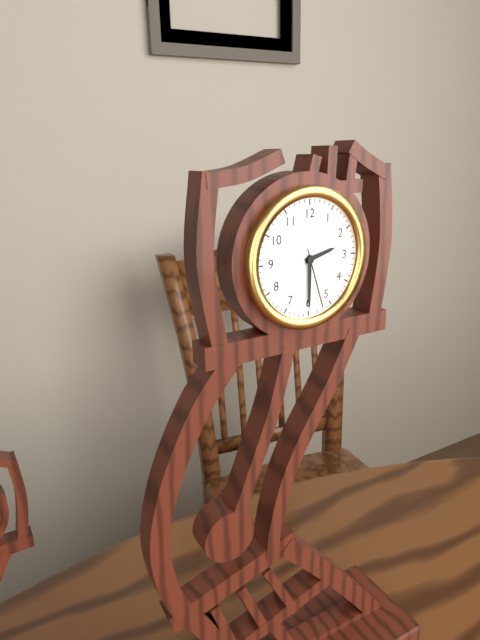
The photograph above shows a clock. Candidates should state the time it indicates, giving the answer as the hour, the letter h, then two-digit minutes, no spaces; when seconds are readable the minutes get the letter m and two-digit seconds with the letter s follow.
2h30m27s
